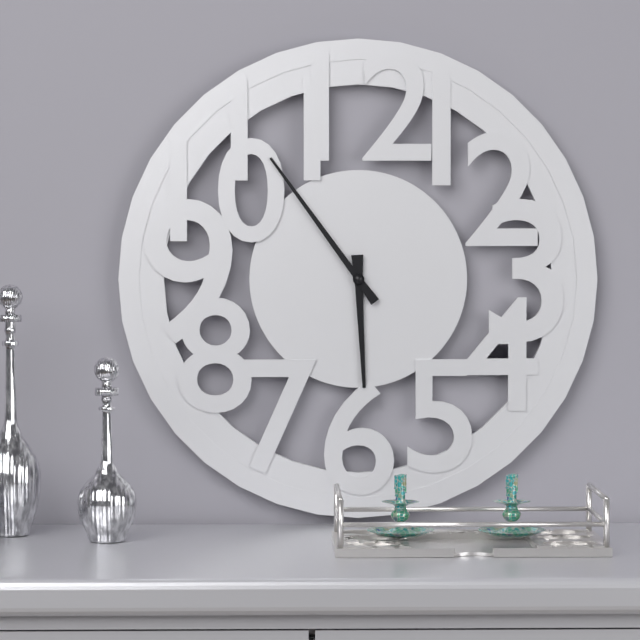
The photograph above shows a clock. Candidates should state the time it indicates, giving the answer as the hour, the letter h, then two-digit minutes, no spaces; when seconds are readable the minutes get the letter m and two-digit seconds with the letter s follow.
5h54
